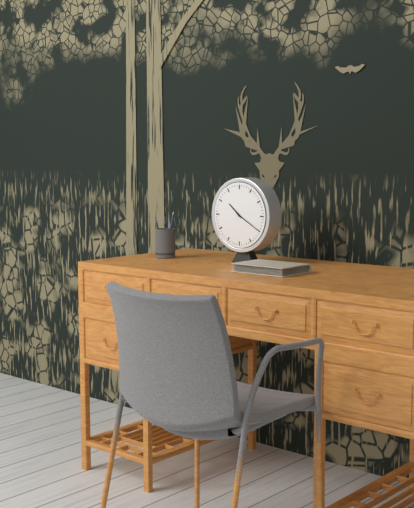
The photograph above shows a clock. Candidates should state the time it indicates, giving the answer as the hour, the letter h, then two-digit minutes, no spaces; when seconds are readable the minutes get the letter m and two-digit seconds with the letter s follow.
10h20
